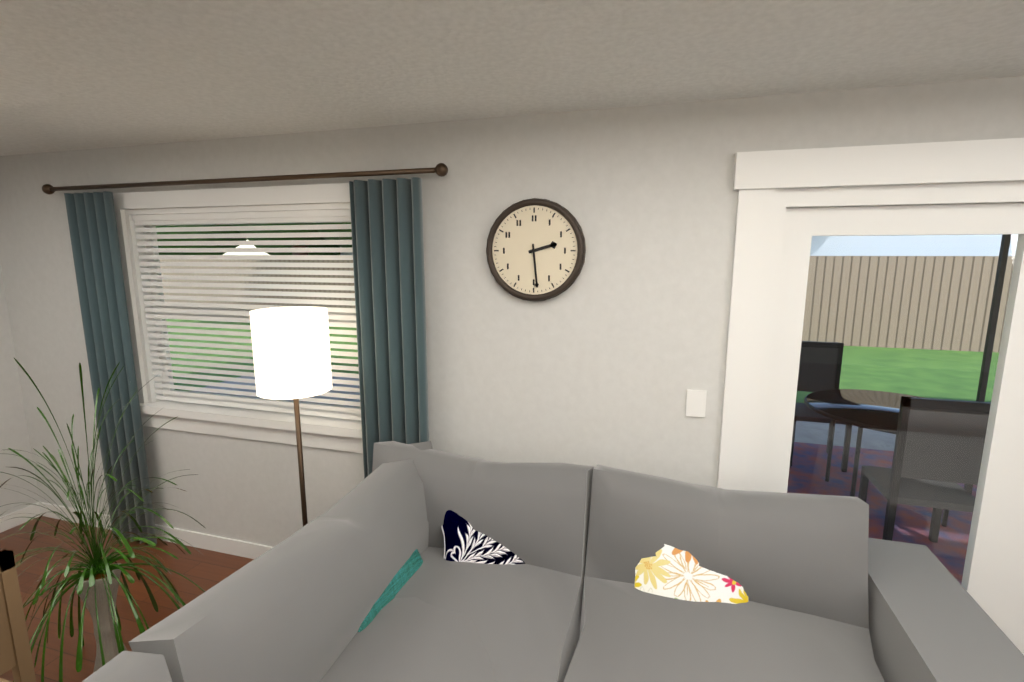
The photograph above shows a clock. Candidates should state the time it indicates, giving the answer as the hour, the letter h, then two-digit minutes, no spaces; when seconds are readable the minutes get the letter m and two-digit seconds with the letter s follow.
2h29
